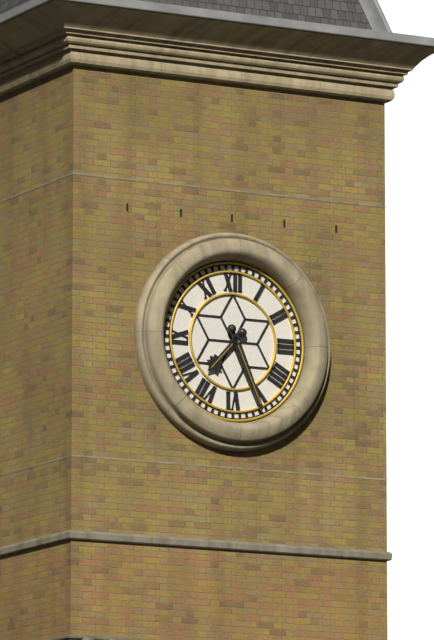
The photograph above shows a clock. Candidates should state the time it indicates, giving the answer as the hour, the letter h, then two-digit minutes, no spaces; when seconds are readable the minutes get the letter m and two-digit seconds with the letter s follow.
7h26
